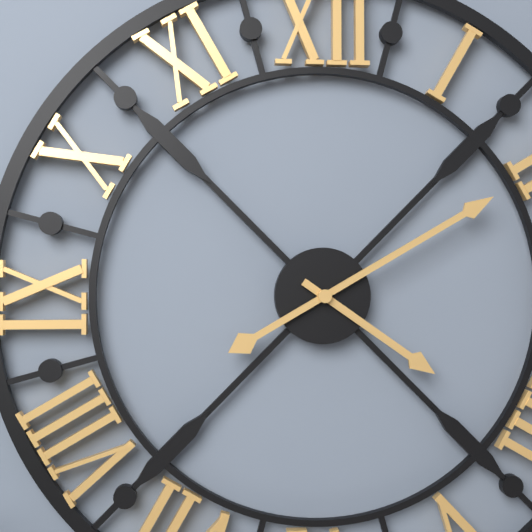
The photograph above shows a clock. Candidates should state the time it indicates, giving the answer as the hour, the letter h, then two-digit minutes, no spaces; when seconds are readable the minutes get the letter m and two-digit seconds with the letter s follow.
4h10
